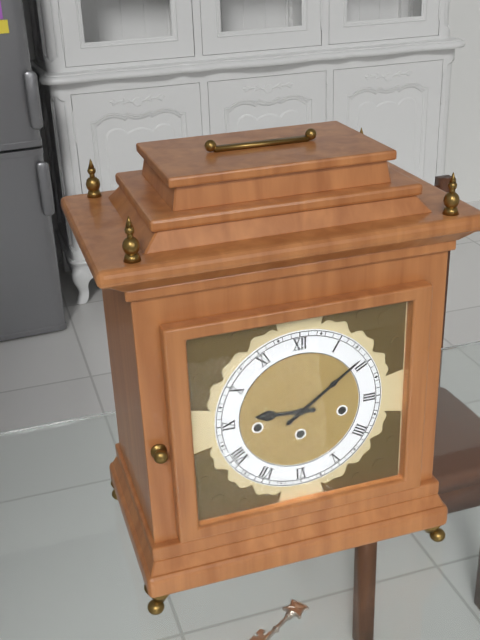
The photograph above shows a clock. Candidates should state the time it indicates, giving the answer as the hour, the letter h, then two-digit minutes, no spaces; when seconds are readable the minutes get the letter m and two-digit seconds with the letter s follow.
9h09
